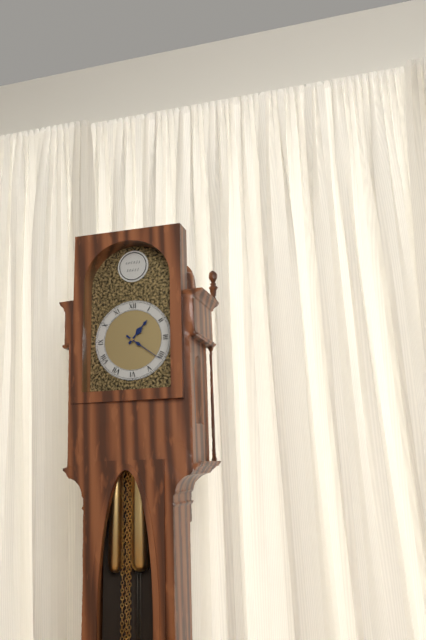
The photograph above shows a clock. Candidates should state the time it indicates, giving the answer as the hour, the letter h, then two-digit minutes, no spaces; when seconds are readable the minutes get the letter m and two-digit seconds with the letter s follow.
1h21
